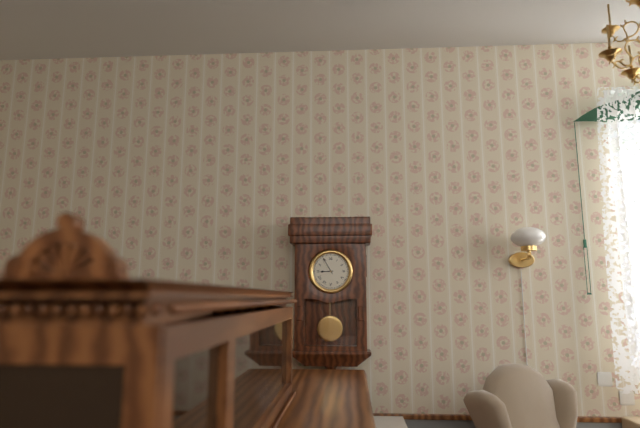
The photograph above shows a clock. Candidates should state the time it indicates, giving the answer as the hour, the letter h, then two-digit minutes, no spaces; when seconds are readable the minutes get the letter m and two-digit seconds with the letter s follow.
8h55
